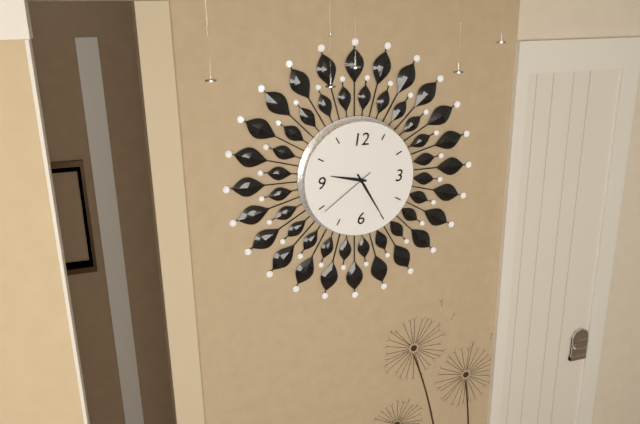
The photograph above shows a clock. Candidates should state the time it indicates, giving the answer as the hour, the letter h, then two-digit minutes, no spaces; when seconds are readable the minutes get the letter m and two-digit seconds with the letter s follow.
9h25m39s
